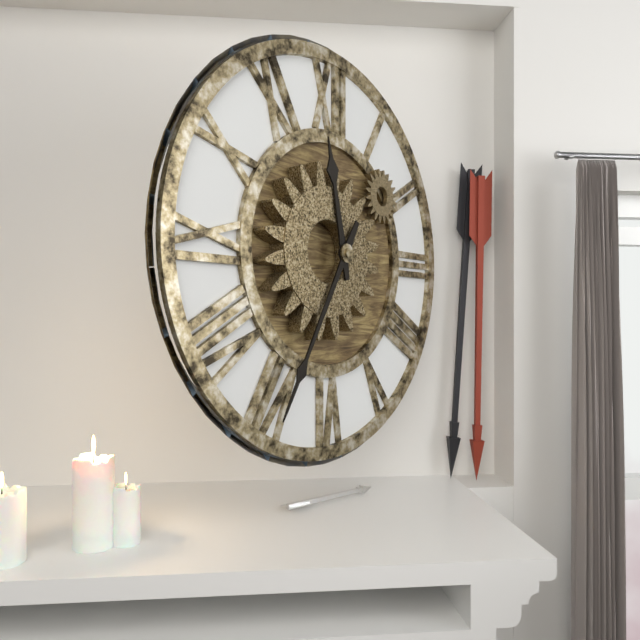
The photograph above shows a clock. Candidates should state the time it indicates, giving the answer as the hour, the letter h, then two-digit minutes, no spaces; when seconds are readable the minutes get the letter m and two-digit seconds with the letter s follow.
11h35
